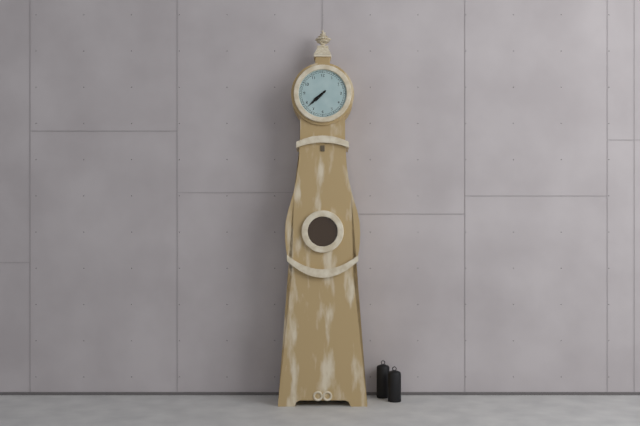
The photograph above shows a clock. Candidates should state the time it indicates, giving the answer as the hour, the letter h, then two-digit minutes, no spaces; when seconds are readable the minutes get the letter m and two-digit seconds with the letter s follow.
7h38
